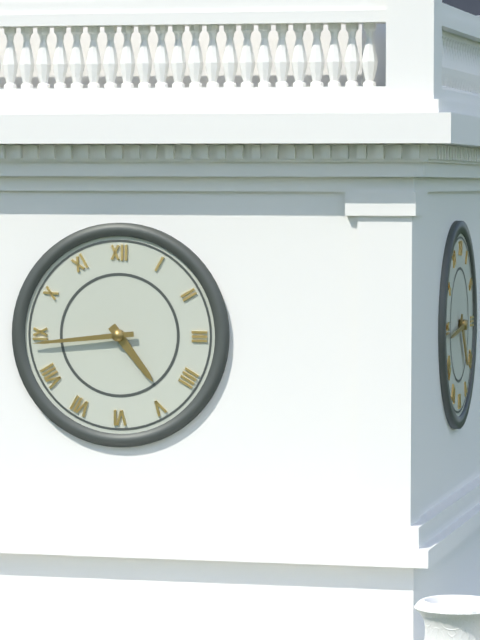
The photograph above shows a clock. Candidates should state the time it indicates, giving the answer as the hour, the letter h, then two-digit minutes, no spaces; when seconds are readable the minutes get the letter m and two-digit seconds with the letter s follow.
4h44
